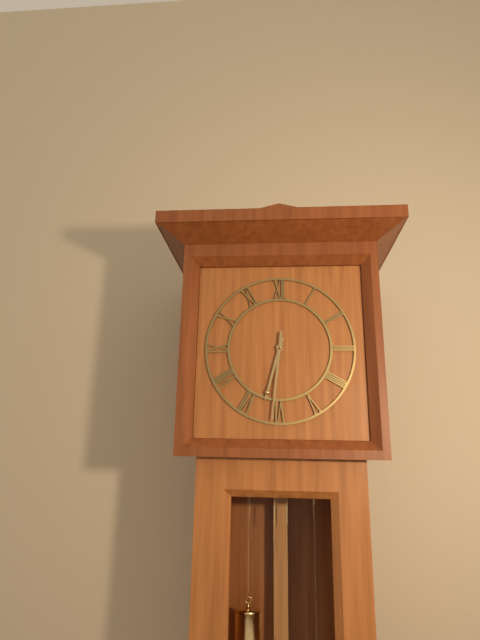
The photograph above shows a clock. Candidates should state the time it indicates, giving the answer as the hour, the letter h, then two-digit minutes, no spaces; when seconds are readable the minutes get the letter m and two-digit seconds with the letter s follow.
6h31
